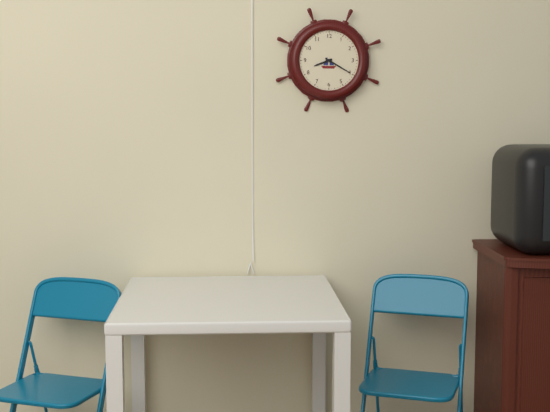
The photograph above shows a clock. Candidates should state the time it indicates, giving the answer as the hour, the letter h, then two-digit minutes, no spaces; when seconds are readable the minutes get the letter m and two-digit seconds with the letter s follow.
8h20
